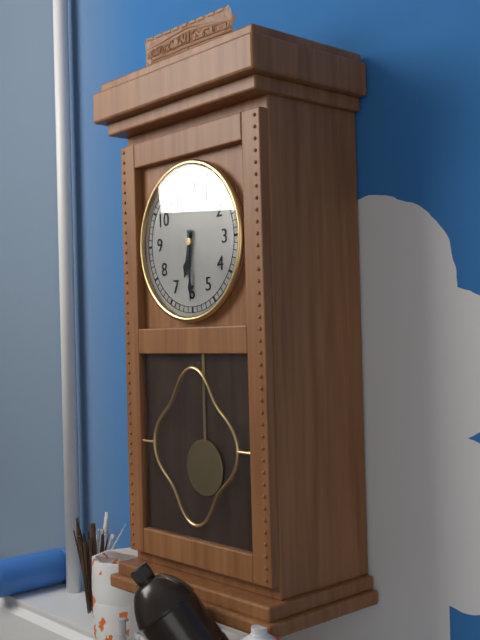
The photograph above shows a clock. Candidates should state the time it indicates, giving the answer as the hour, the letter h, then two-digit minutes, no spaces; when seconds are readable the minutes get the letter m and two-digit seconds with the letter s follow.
6h30
